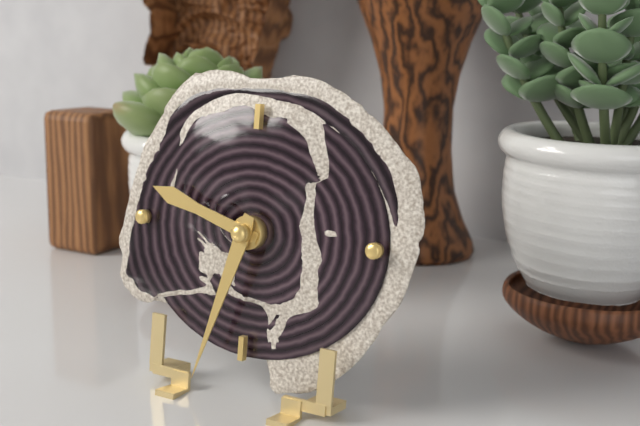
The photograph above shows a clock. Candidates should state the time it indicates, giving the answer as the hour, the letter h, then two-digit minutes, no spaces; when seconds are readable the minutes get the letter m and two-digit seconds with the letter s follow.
9h33
